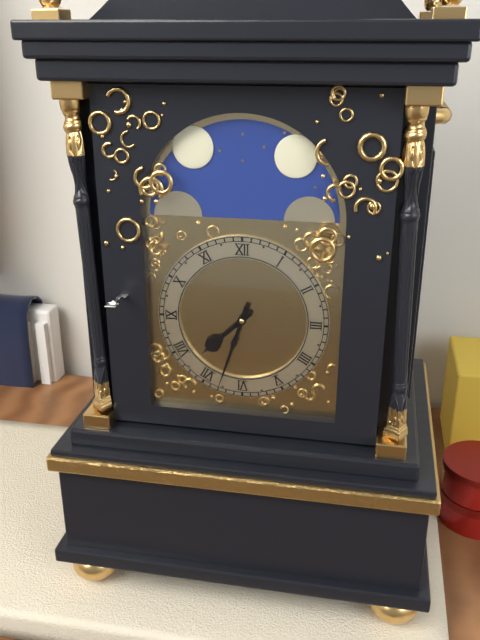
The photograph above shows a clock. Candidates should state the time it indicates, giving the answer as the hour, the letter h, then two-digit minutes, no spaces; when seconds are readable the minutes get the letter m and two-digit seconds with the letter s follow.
7h33
